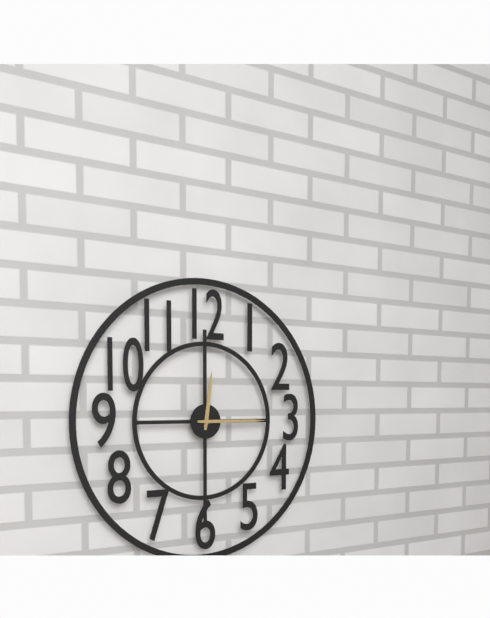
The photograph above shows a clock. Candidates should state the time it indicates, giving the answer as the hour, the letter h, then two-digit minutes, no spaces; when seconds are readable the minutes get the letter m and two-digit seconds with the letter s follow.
12h15
